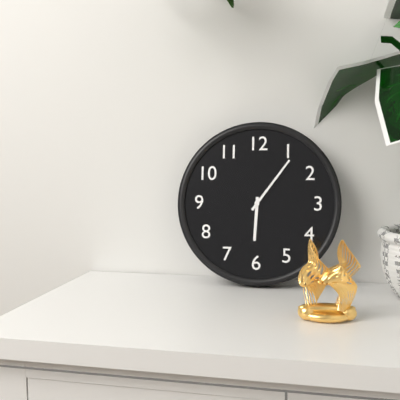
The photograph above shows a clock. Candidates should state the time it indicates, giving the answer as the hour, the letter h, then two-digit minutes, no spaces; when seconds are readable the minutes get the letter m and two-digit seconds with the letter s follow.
6h06
